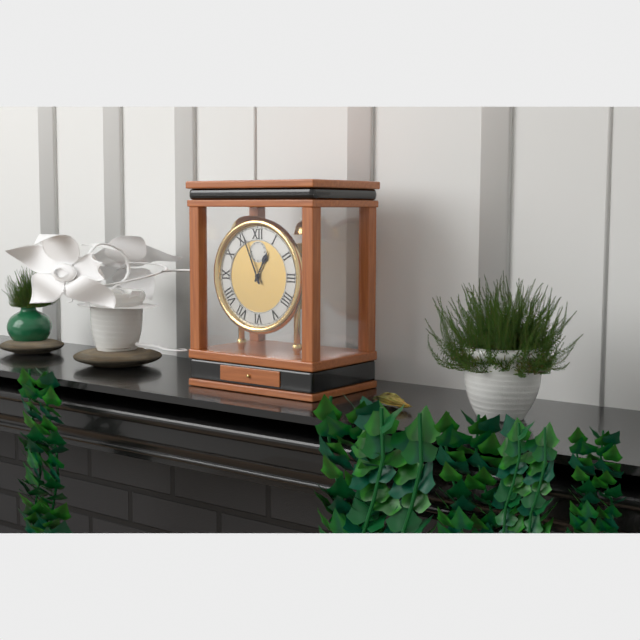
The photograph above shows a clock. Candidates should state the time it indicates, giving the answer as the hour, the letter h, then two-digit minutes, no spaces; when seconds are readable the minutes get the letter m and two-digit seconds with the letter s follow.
12h56
